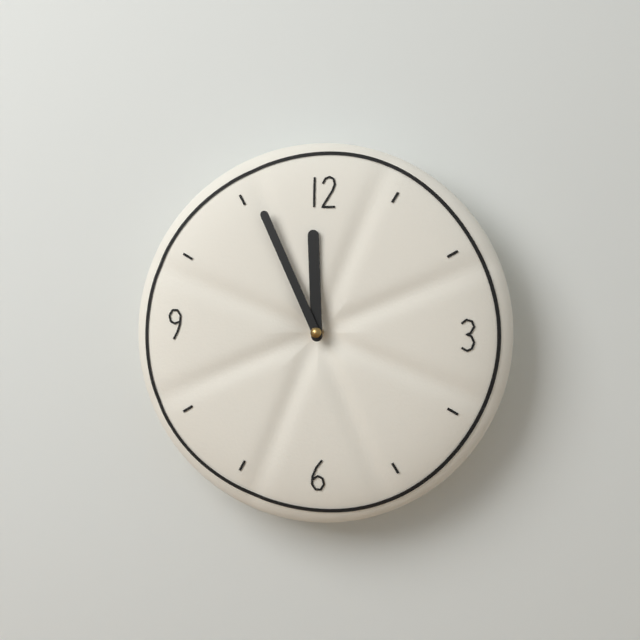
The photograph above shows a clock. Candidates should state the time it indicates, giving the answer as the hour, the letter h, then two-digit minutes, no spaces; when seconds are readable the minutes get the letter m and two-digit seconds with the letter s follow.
11h56
